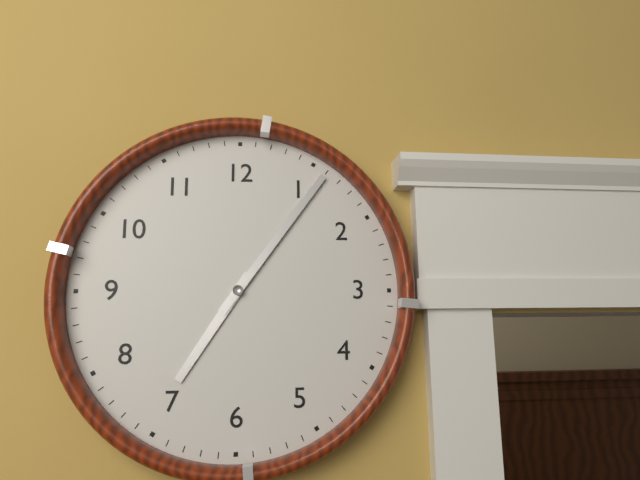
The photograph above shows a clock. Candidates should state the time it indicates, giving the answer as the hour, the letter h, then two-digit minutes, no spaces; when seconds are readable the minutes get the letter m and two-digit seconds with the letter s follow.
7h06
